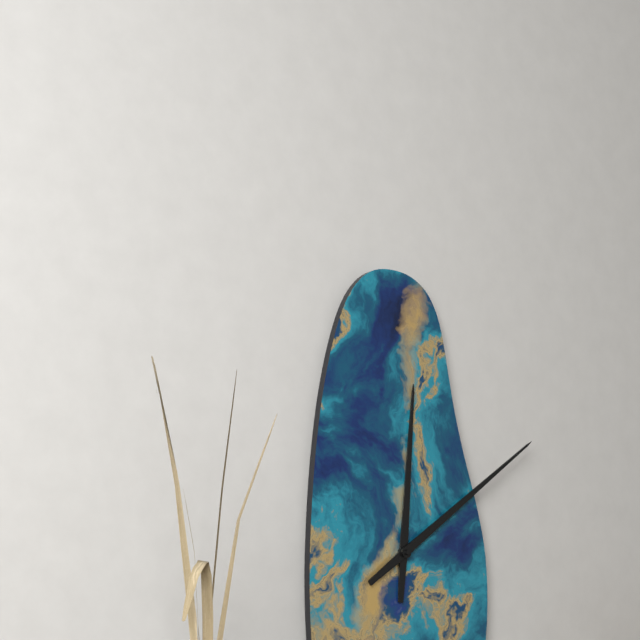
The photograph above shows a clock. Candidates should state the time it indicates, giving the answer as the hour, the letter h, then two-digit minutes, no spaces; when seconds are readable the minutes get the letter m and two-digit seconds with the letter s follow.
12h09
